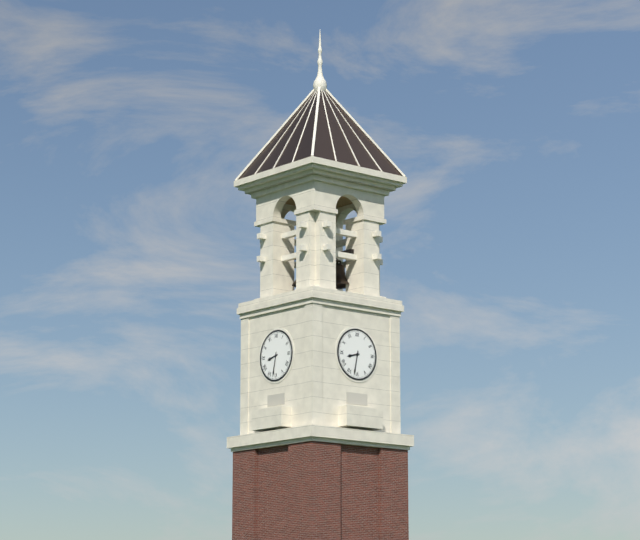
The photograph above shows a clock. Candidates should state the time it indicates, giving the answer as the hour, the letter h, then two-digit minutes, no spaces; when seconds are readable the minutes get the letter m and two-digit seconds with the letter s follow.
8h32
